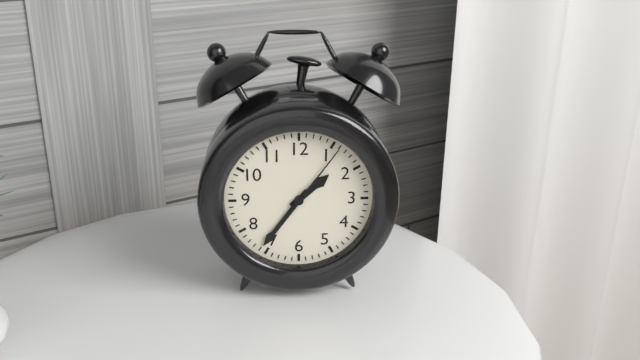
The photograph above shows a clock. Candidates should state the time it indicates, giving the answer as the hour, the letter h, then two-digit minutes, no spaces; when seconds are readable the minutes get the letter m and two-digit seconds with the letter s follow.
1h36m06s
